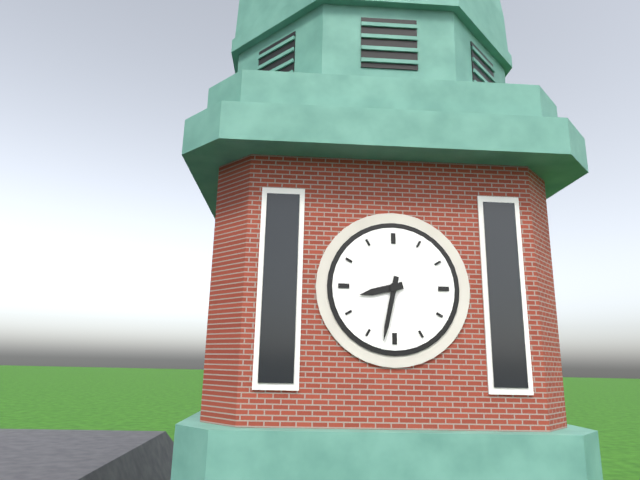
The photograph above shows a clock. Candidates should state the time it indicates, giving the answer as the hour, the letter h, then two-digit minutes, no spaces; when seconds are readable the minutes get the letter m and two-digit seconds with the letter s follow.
8h32
